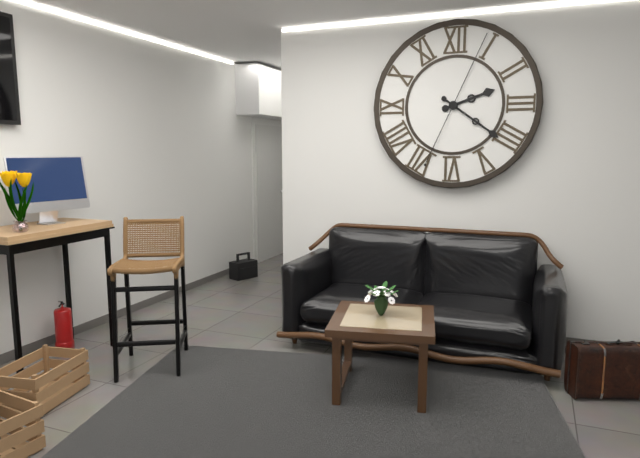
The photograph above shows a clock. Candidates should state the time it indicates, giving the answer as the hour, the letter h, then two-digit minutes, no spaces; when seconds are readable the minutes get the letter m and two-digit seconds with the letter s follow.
2h21m04s
